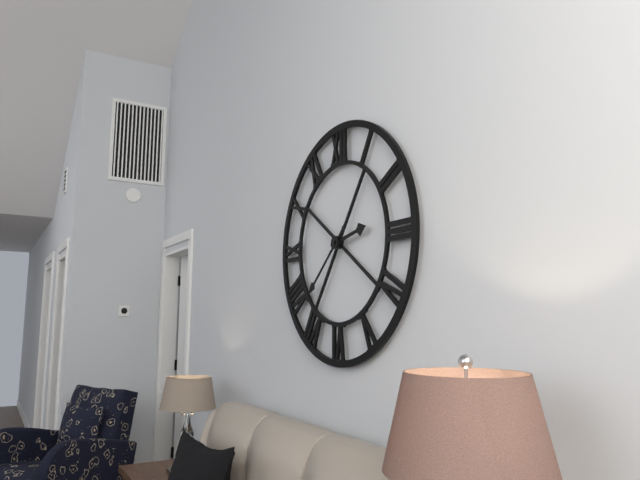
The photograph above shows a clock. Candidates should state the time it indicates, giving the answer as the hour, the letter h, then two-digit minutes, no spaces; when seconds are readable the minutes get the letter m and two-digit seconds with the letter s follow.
2h38
